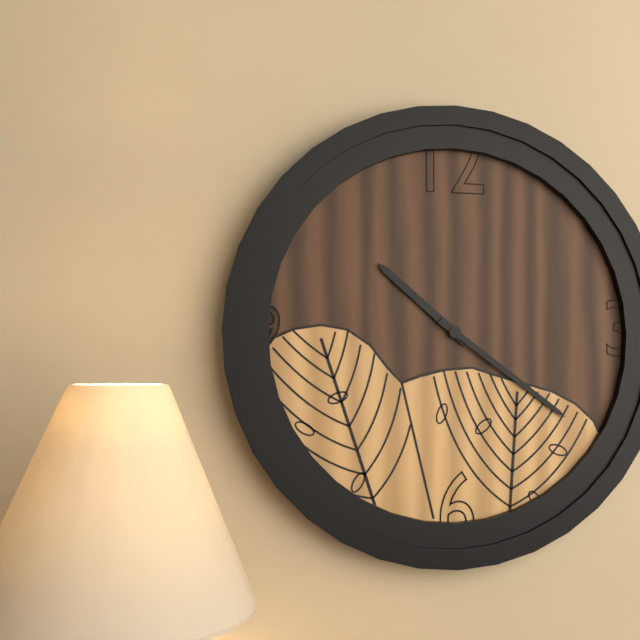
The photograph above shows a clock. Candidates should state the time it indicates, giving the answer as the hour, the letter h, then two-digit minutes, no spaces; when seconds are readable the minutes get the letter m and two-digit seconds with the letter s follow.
10h21
